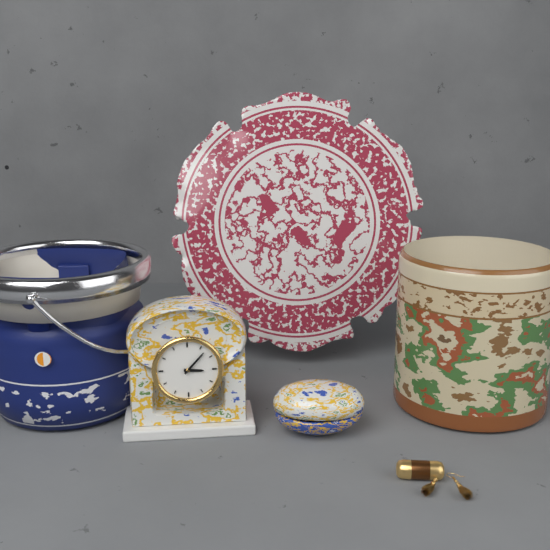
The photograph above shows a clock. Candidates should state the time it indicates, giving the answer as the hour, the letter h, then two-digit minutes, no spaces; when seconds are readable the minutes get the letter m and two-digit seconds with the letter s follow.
3h07
